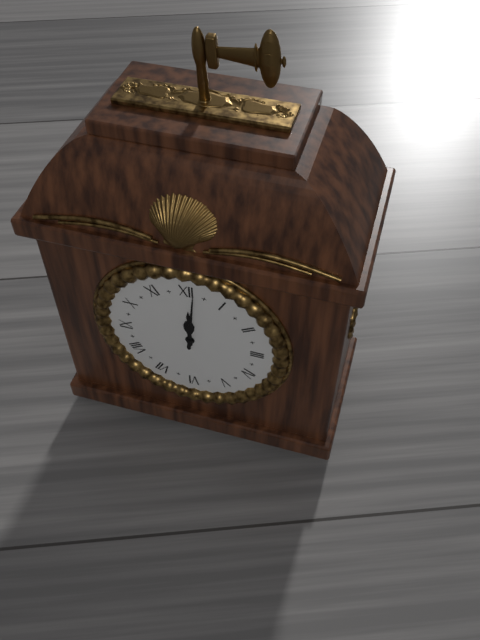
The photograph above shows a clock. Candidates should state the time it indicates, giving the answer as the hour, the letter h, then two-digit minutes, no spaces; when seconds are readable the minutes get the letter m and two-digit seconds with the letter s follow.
12h01
